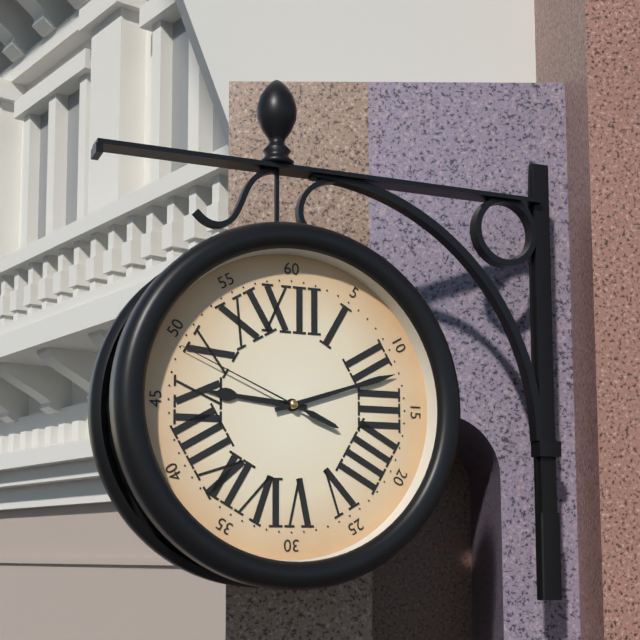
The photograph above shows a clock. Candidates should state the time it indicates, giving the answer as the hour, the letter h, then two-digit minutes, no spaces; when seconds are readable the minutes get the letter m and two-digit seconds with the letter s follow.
9h12m49s
